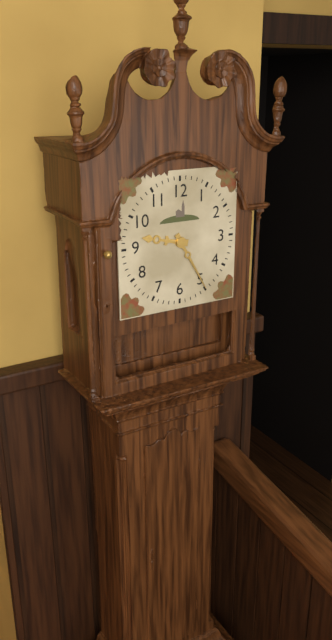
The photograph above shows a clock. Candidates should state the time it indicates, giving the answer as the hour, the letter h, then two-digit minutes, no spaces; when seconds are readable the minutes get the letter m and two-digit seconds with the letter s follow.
9h25
